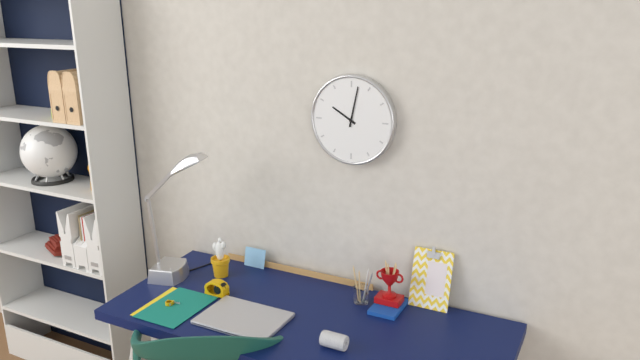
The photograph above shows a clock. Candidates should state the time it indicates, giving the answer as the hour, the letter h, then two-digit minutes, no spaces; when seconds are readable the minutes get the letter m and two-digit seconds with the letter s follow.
10h02
